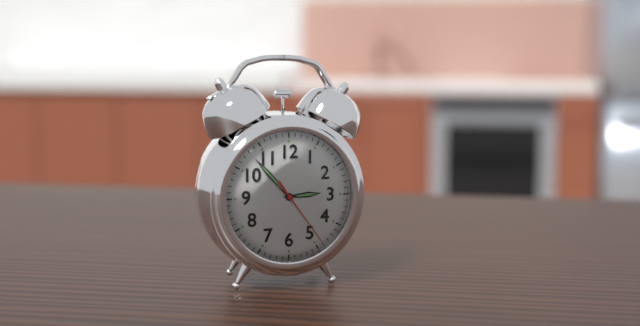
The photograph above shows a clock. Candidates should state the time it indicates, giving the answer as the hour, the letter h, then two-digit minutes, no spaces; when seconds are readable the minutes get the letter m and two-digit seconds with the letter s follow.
2h53m24s
